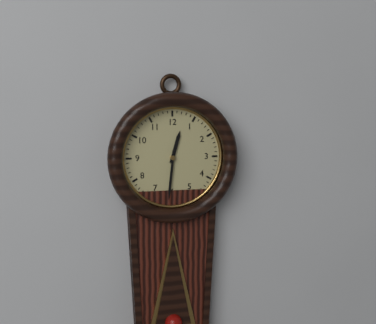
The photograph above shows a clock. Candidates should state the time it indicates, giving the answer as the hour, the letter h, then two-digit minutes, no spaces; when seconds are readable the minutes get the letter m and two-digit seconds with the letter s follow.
12h31
